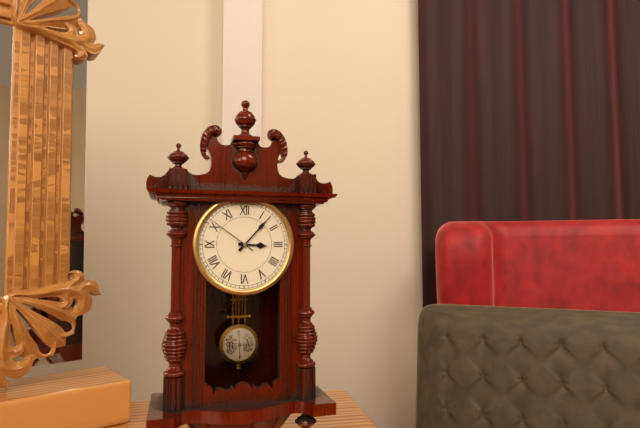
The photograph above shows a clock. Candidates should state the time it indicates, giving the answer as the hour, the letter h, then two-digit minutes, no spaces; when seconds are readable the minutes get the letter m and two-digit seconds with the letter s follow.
3h07m51s
